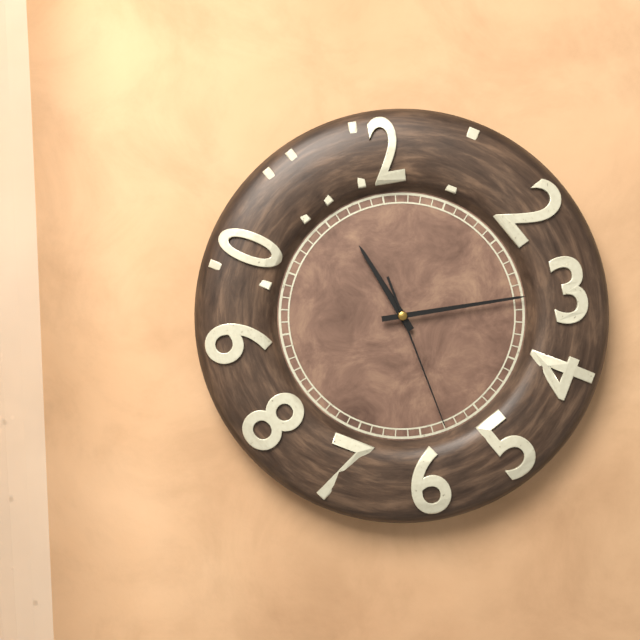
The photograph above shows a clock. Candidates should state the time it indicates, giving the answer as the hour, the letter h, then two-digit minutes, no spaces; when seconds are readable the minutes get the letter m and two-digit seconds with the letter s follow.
11h15m28s
